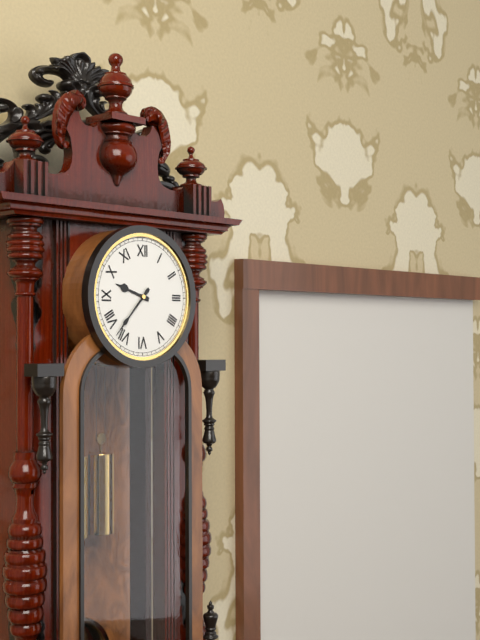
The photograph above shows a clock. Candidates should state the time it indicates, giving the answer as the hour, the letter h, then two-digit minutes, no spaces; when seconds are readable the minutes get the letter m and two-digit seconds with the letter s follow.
9h37
